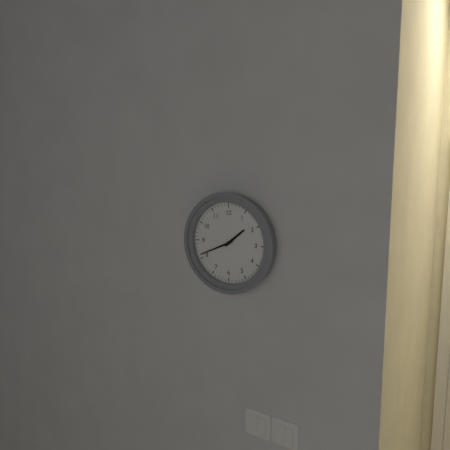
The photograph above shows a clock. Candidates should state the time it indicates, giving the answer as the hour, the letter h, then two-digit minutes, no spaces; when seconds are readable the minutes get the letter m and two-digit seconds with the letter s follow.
1h41
